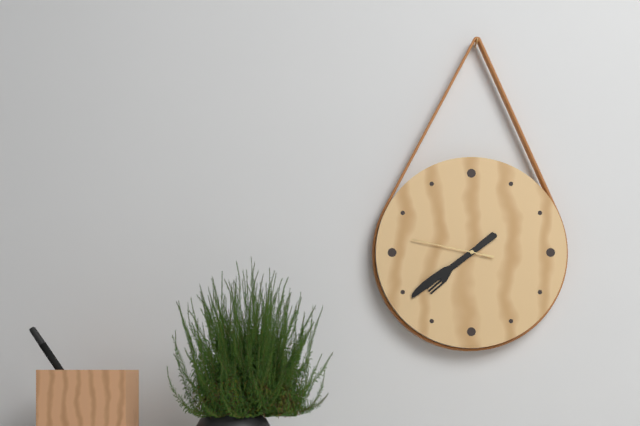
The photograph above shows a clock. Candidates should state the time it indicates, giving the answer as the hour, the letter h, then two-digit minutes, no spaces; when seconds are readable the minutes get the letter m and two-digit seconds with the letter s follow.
7h39m47s
